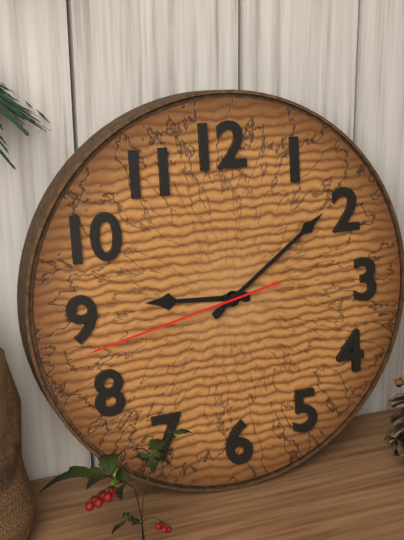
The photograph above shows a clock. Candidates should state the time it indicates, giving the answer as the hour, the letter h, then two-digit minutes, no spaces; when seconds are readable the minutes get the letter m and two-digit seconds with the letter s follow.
9h09m43s
